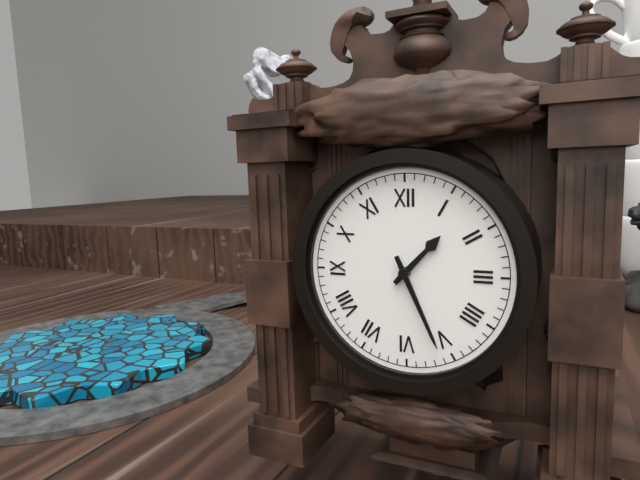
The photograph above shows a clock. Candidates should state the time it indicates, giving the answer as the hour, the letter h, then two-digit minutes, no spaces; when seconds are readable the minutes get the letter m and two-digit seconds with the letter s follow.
1h26
